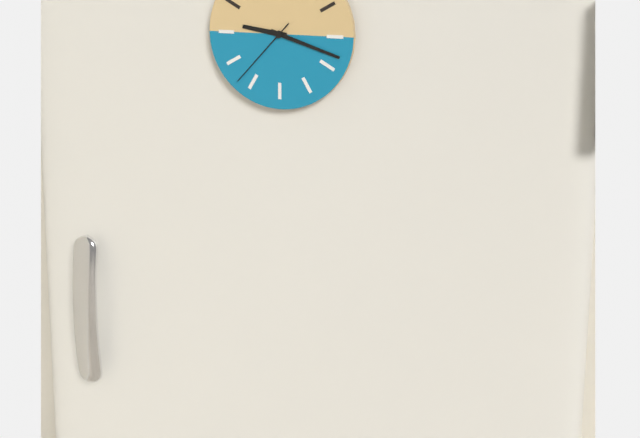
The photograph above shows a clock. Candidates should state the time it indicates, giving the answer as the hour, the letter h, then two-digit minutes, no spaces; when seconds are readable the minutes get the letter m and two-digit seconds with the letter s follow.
9h18m37s
